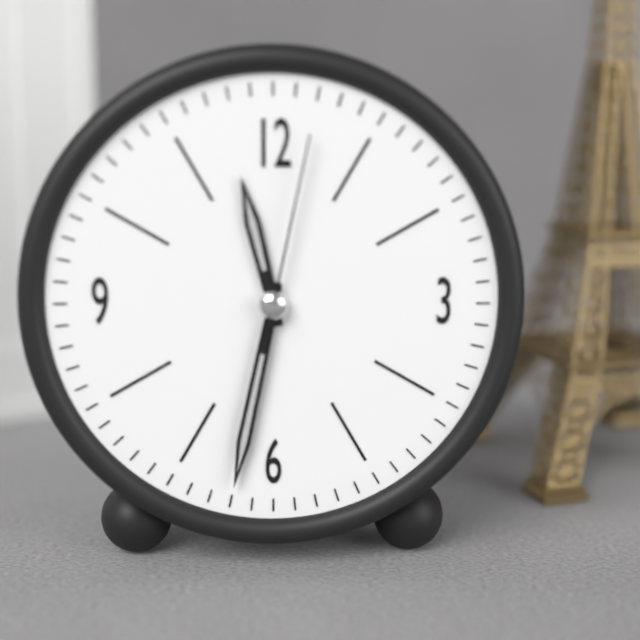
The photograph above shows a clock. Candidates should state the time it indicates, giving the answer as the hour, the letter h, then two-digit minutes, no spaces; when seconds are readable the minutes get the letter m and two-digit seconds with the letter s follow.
11h32m02s
